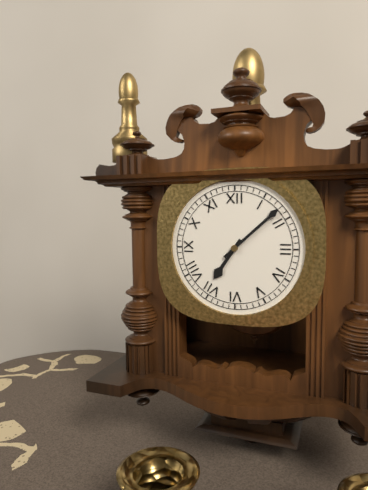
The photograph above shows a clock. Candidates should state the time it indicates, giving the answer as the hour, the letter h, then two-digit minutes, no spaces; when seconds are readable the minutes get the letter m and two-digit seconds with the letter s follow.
7h08
